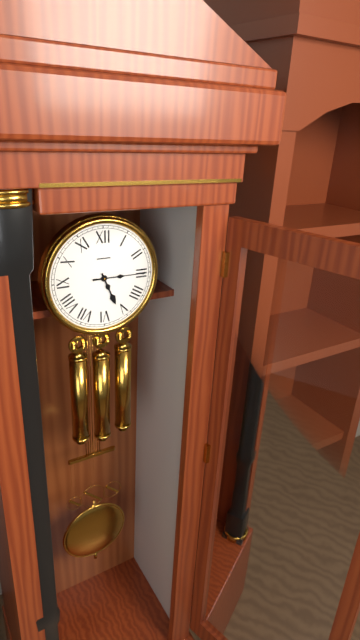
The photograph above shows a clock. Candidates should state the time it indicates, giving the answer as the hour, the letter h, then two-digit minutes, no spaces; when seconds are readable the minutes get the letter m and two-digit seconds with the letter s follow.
5h15
